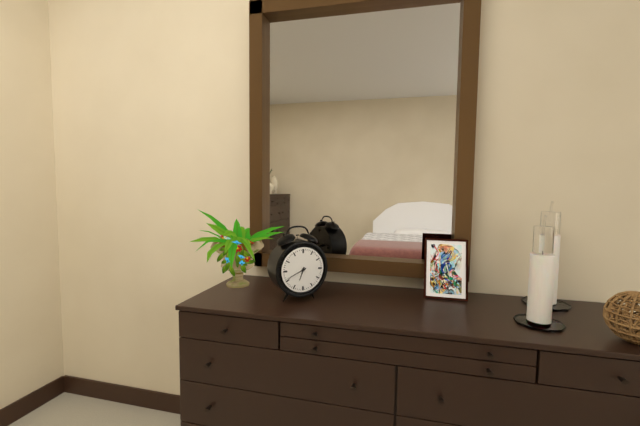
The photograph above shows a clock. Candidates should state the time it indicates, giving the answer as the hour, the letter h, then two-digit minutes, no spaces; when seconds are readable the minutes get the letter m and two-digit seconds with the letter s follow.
6h41
